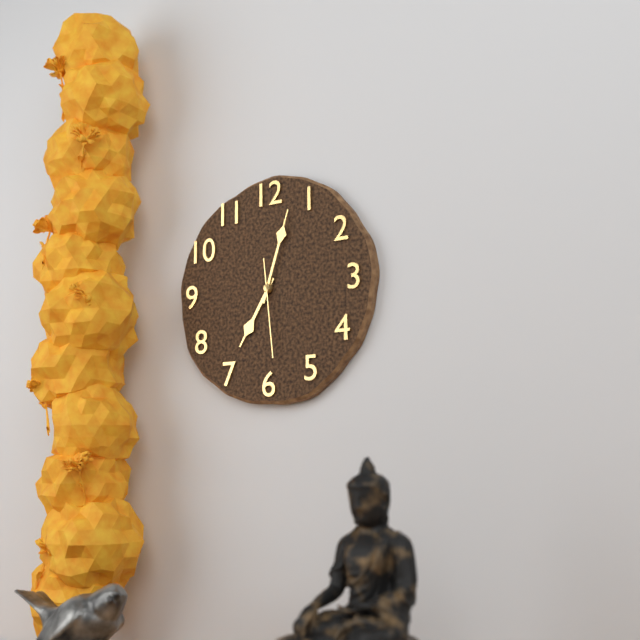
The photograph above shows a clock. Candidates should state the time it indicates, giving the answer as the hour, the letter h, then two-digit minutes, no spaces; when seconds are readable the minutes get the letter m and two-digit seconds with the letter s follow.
7h03m29s
